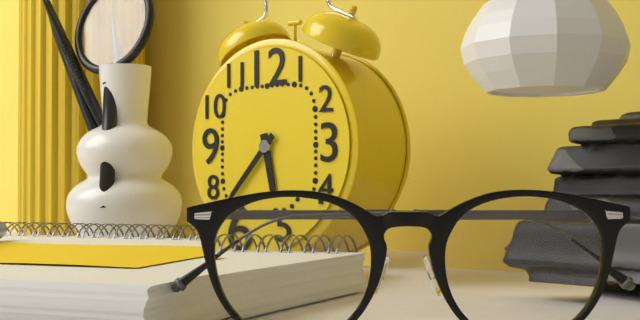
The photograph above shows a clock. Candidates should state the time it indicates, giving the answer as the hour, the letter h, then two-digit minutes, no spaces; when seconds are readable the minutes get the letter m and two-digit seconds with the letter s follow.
5h37
